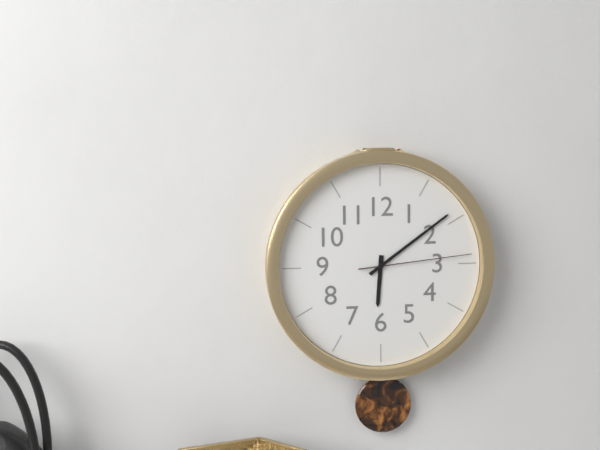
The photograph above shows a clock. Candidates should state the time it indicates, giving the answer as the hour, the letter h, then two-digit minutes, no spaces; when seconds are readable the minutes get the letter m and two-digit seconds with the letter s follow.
6h09m14s
